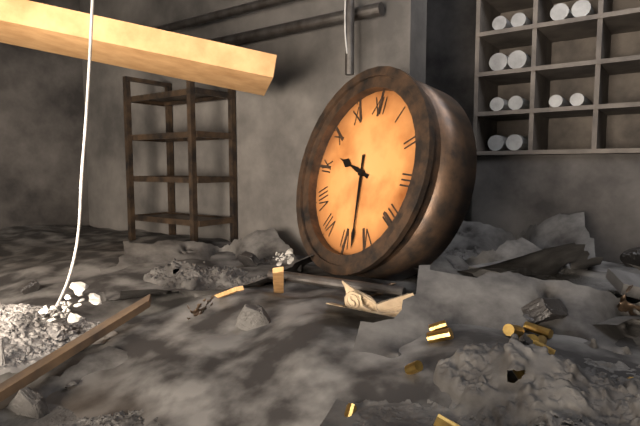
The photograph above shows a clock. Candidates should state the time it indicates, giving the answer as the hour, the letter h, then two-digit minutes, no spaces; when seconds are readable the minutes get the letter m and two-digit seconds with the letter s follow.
9h28
